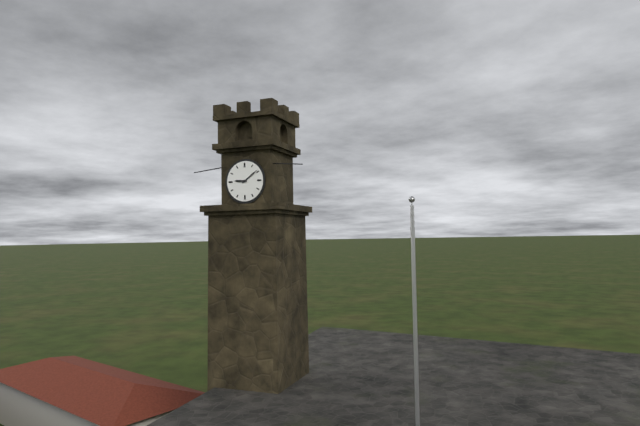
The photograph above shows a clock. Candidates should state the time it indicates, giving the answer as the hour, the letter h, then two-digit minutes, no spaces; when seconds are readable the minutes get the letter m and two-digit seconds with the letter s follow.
9h09
